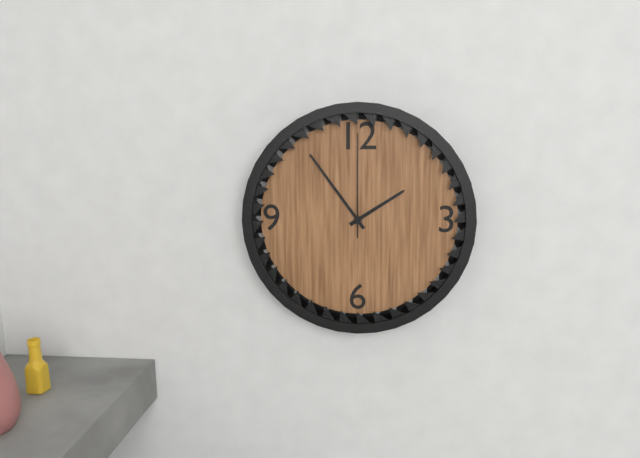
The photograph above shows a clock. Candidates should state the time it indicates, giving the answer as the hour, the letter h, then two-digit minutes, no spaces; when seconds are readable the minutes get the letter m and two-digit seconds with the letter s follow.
1h54m00s
